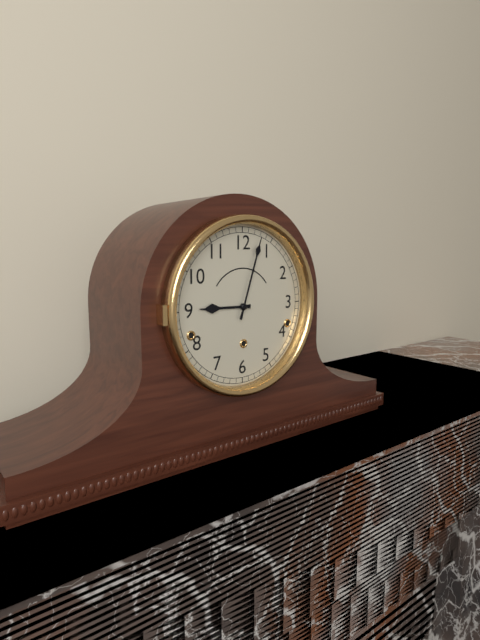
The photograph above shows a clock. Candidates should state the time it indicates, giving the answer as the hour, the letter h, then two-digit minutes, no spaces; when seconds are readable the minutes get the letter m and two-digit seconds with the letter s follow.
9h03
